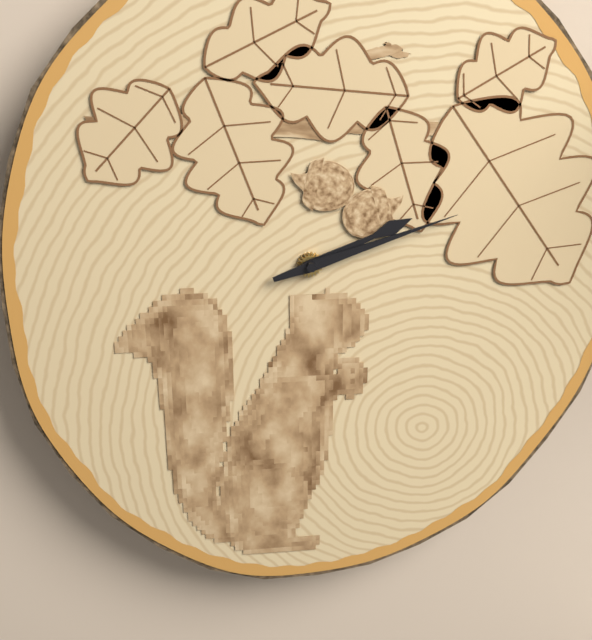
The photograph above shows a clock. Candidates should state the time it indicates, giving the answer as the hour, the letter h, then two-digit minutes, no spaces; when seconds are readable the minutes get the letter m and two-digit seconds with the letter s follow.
2h12
